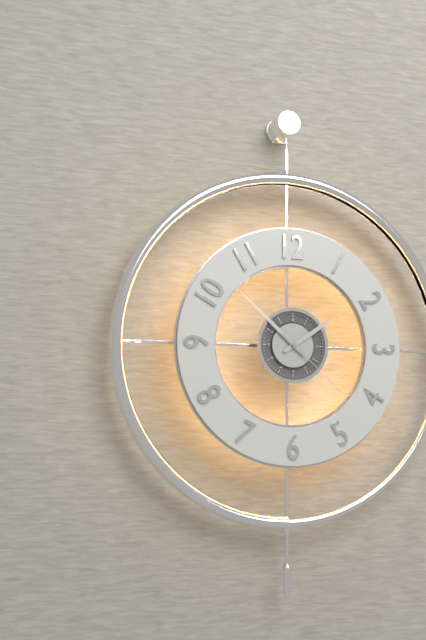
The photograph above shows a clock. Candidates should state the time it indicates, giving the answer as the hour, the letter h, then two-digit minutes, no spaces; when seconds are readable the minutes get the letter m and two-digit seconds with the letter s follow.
1h52m22s
